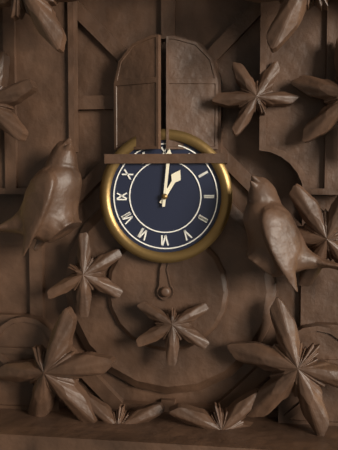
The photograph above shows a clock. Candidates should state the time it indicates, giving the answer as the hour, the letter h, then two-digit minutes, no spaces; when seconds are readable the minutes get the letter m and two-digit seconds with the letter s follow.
1h01
